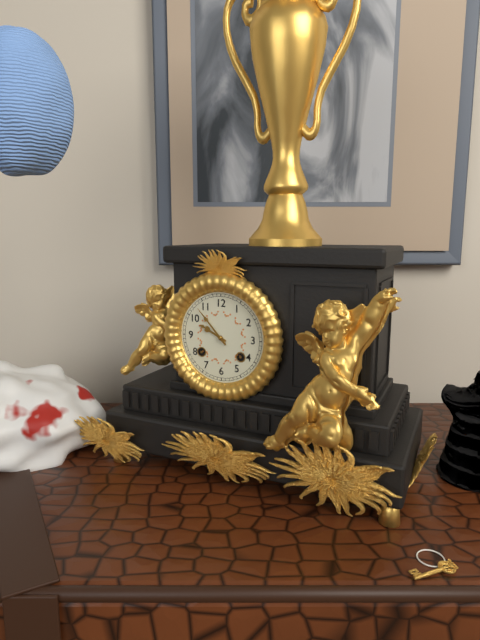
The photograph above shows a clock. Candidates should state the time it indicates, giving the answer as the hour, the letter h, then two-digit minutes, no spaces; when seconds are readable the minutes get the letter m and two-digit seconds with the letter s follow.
9h53
